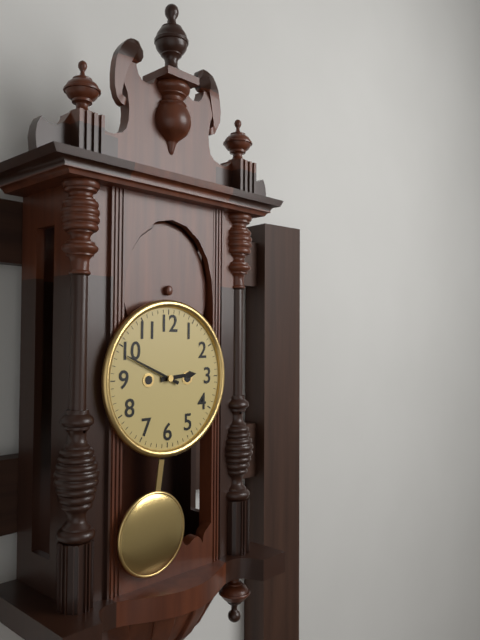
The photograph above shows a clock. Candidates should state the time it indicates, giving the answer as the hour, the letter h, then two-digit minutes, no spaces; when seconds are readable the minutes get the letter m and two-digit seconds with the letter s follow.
2h49
